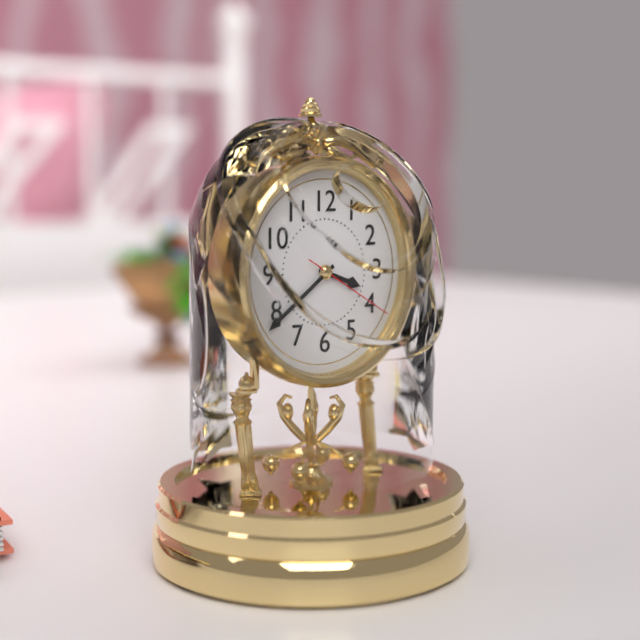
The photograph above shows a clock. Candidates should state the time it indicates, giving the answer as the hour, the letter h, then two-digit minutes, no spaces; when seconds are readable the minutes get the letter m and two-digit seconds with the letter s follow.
3h39m20s
